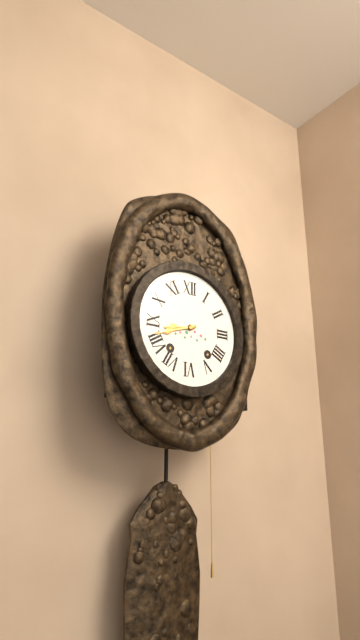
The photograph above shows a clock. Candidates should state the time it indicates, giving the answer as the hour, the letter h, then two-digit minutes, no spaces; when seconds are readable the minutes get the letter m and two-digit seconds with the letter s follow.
8h42
